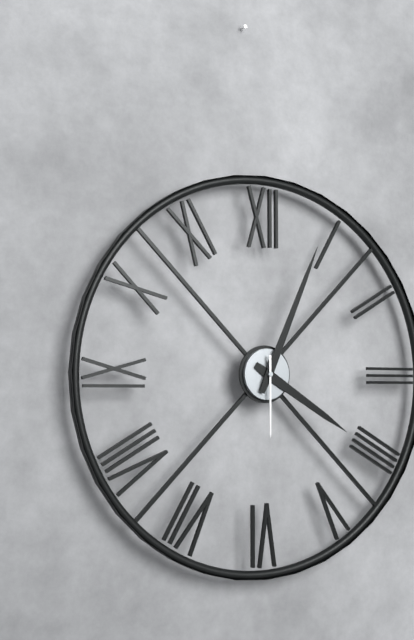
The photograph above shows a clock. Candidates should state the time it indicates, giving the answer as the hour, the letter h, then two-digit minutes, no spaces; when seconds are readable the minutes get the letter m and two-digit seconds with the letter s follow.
4h04m30s
